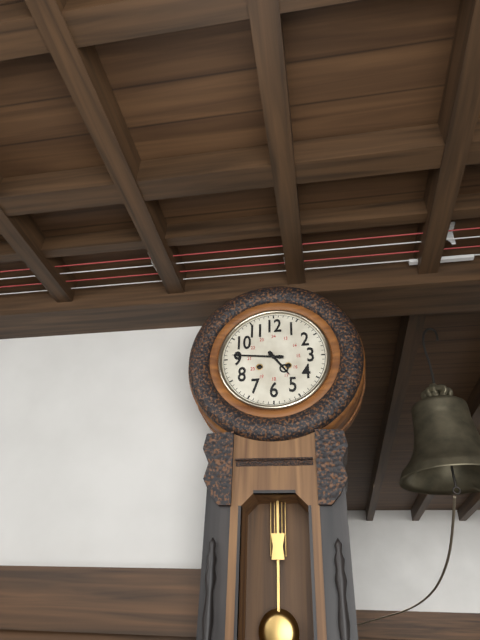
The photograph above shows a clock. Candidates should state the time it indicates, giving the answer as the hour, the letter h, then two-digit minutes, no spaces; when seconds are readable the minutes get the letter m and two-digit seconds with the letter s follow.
4h46
